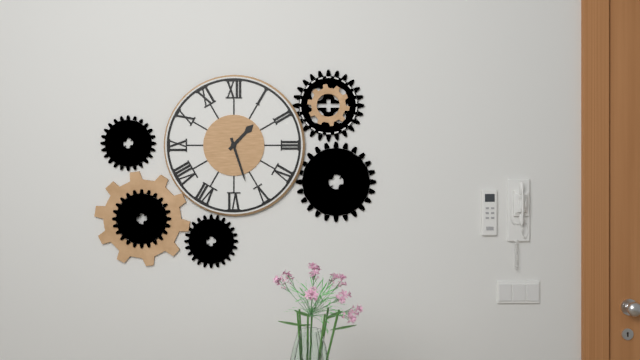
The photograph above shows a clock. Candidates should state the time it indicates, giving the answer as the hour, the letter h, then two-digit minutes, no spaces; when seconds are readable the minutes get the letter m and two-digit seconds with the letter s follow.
1h27
